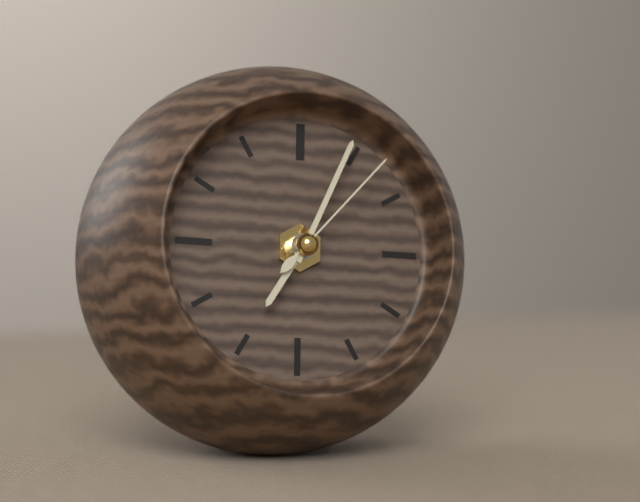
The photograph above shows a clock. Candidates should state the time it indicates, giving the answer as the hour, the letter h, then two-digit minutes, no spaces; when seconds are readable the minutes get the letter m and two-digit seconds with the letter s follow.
7h04m07s
